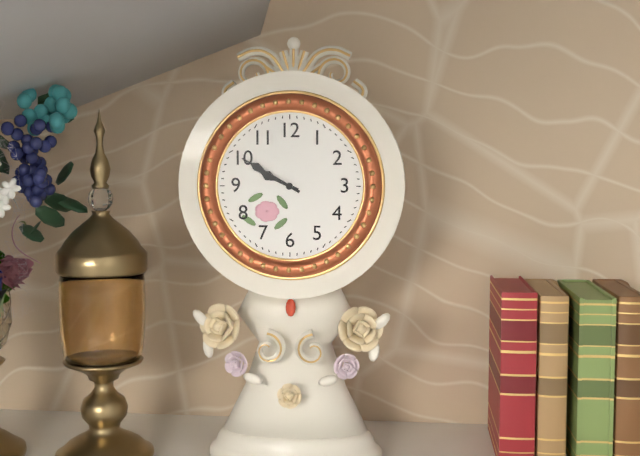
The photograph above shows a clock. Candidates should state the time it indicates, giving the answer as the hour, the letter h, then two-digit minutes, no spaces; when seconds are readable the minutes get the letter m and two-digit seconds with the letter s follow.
9h50
